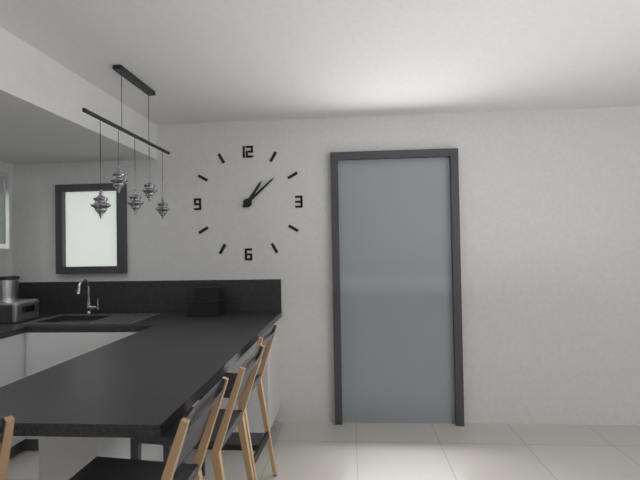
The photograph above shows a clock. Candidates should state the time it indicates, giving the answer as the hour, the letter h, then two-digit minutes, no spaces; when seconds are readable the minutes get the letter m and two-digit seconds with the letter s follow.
1h08
